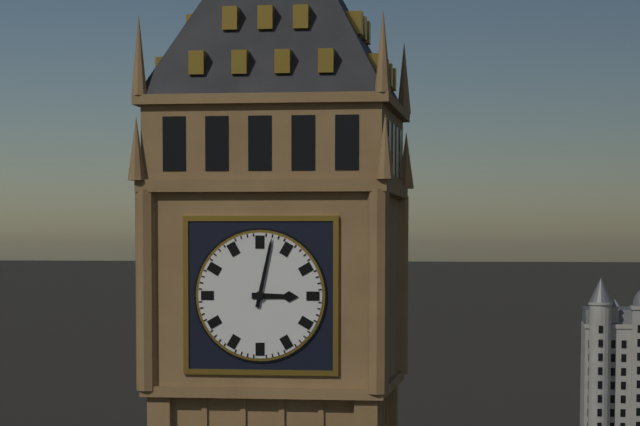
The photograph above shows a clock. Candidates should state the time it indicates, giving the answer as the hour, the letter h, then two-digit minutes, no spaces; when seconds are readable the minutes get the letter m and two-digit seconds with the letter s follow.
3h02
